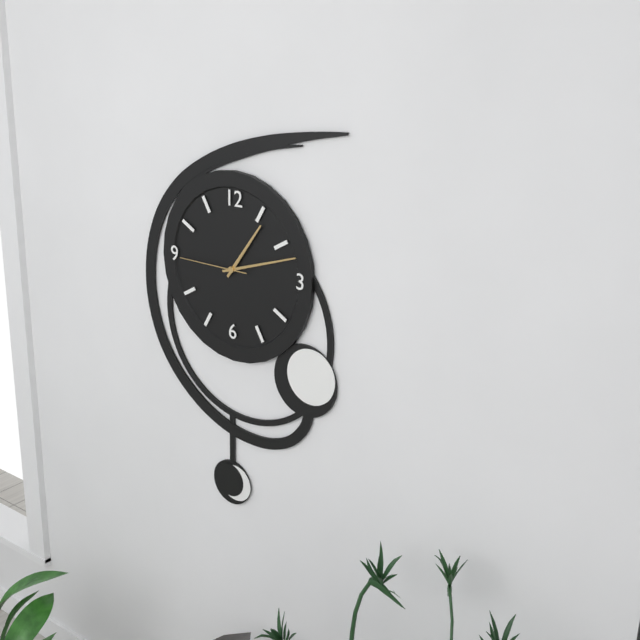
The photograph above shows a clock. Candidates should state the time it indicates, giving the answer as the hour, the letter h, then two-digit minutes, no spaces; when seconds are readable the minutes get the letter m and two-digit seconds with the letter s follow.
1h12m45s
